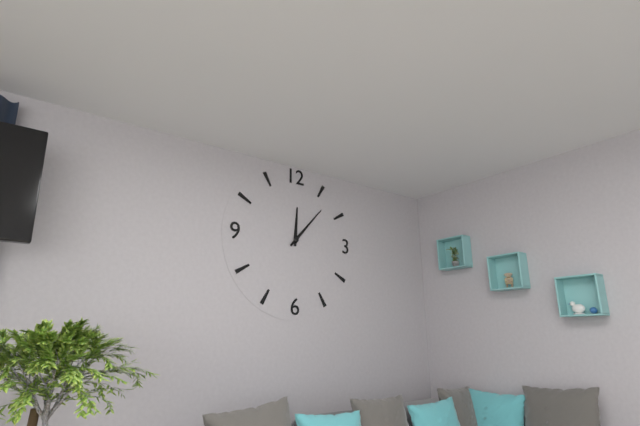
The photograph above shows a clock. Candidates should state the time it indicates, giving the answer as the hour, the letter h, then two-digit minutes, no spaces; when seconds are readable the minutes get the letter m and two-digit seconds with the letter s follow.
12h07
